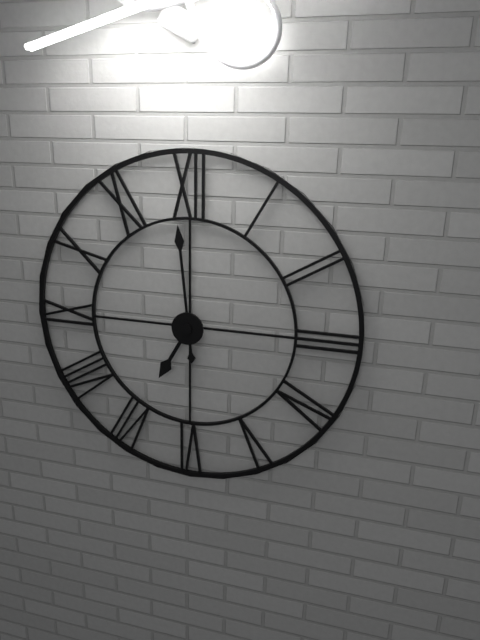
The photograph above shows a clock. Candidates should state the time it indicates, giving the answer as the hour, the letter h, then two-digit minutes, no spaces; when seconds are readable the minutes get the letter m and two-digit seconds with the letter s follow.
6h59
